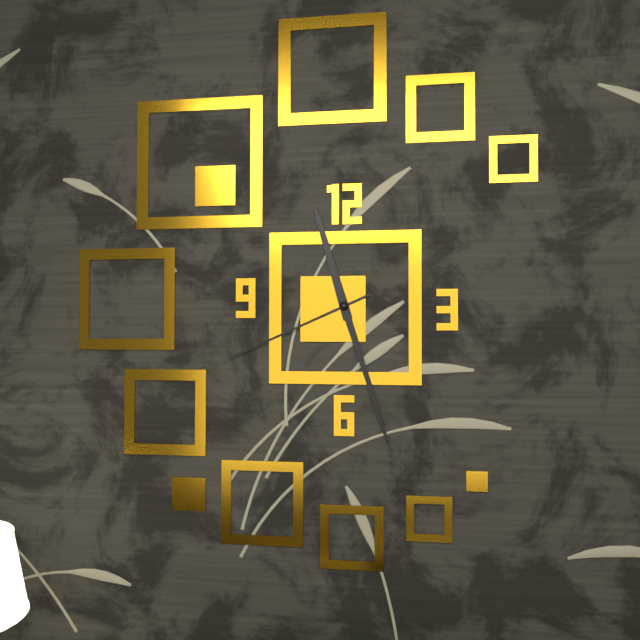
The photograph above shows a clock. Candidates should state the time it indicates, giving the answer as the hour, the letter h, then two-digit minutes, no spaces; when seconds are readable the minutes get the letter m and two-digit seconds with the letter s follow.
11h27m41s
